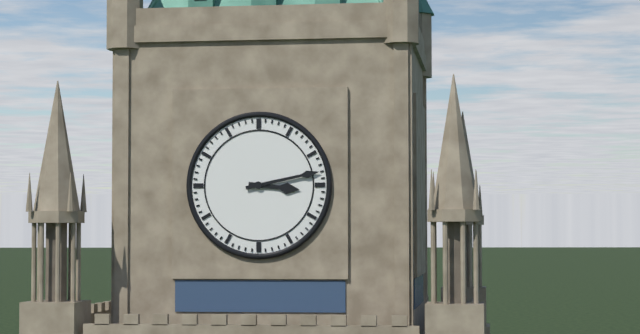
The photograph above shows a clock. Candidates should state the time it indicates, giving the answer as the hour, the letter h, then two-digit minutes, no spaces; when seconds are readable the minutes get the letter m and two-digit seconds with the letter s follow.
3h13
